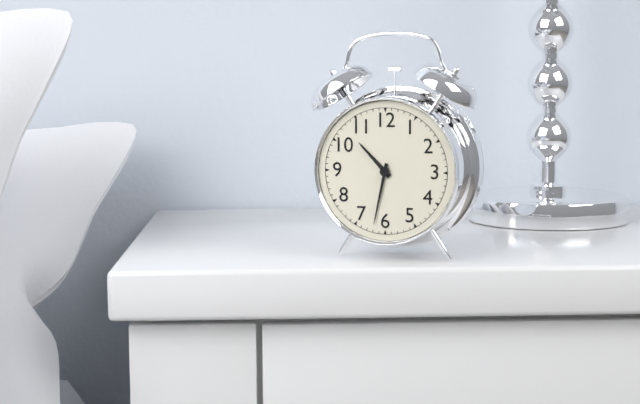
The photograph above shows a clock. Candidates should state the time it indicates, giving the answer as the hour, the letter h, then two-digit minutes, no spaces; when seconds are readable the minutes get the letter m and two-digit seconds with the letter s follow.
10h32
